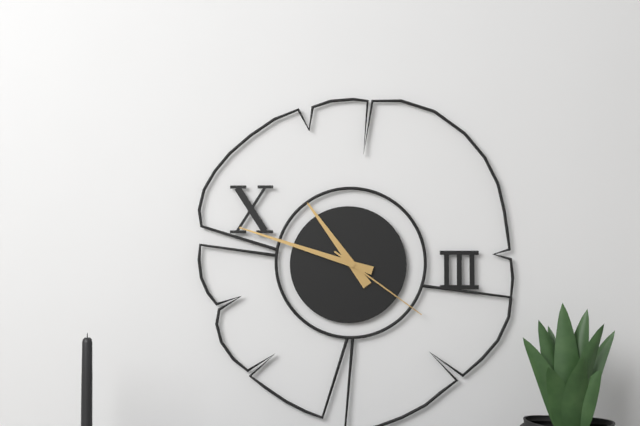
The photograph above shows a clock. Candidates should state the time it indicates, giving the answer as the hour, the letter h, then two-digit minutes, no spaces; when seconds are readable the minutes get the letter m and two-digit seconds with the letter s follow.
10h48m21s
